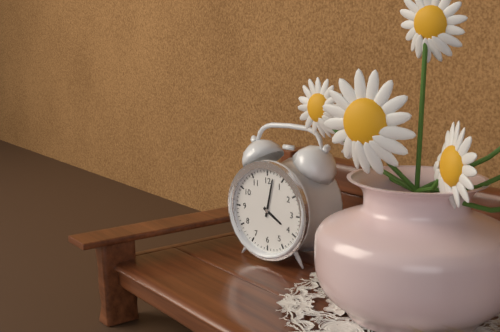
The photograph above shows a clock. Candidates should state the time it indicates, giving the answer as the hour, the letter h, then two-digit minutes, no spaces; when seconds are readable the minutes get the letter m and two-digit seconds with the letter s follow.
4h02
